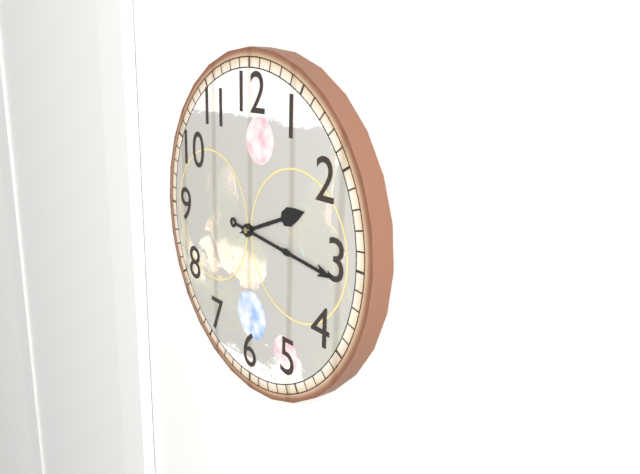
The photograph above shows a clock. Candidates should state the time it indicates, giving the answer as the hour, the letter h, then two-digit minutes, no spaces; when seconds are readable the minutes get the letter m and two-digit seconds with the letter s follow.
2h16
